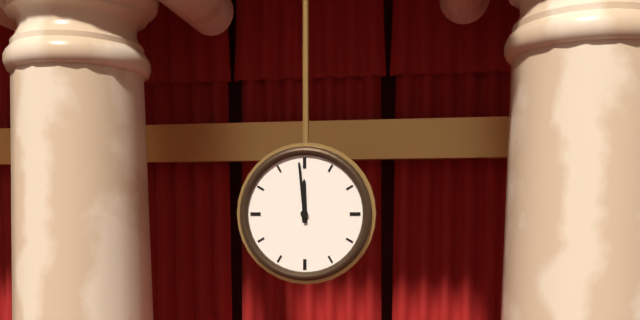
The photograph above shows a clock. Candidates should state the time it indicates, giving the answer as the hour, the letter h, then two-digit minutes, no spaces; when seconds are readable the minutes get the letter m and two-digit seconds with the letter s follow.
11h59
